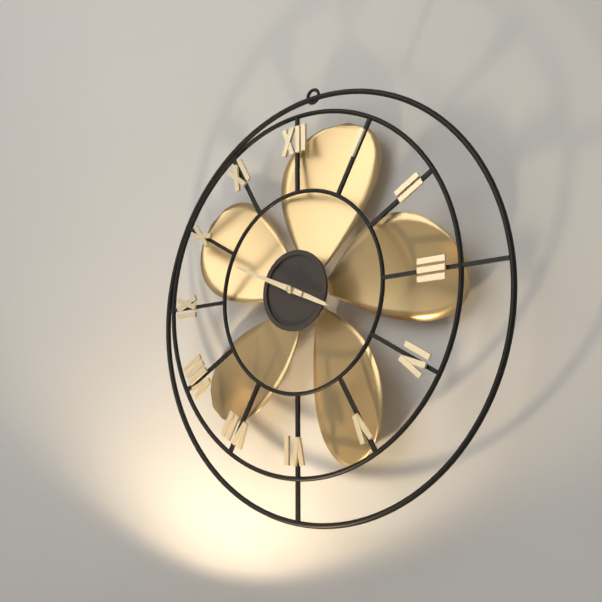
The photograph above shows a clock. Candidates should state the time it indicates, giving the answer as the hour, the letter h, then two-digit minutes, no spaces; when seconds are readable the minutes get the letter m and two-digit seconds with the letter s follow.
3h49
